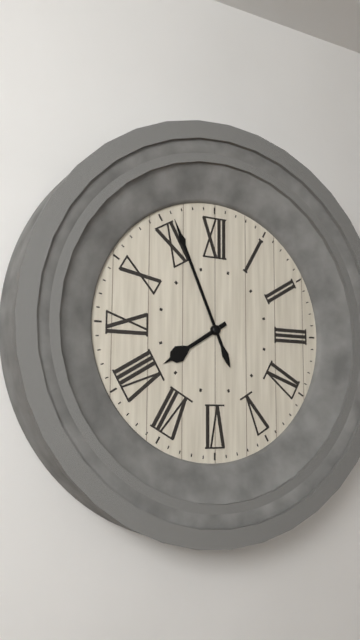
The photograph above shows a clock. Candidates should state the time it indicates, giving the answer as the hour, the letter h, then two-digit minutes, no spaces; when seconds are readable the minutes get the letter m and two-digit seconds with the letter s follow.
7h56
